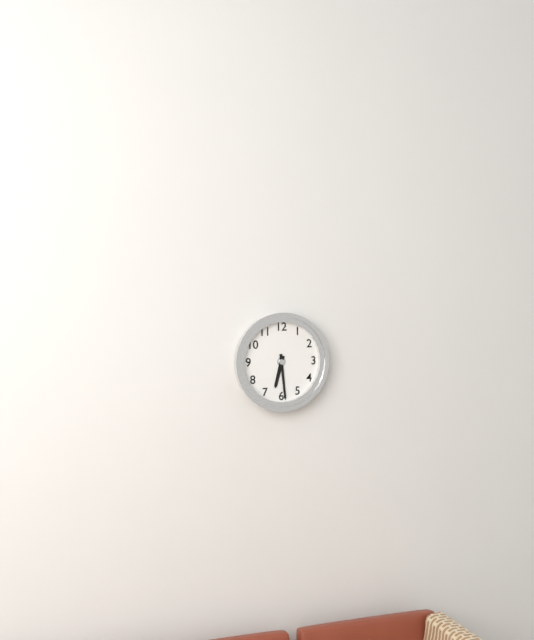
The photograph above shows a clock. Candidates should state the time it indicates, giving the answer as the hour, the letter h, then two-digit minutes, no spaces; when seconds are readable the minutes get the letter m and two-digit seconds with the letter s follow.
6h29
